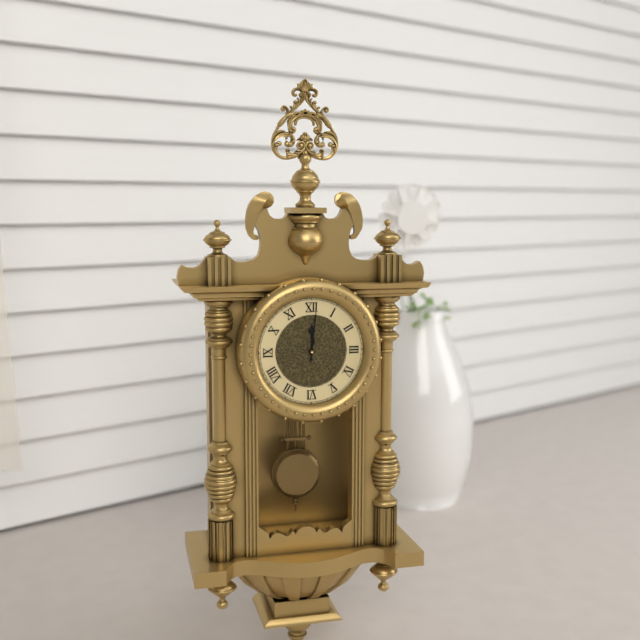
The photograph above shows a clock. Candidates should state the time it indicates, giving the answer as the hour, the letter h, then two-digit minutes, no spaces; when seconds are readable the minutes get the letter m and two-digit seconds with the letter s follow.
12h01
